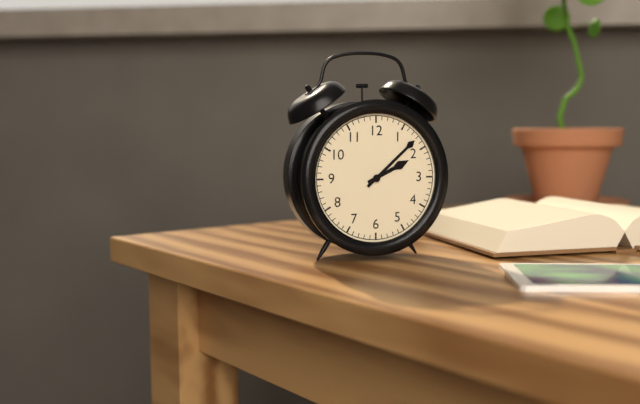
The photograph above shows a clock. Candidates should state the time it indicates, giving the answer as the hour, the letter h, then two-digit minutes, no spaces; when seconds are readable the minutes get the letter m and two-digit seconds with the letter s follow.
2h08
